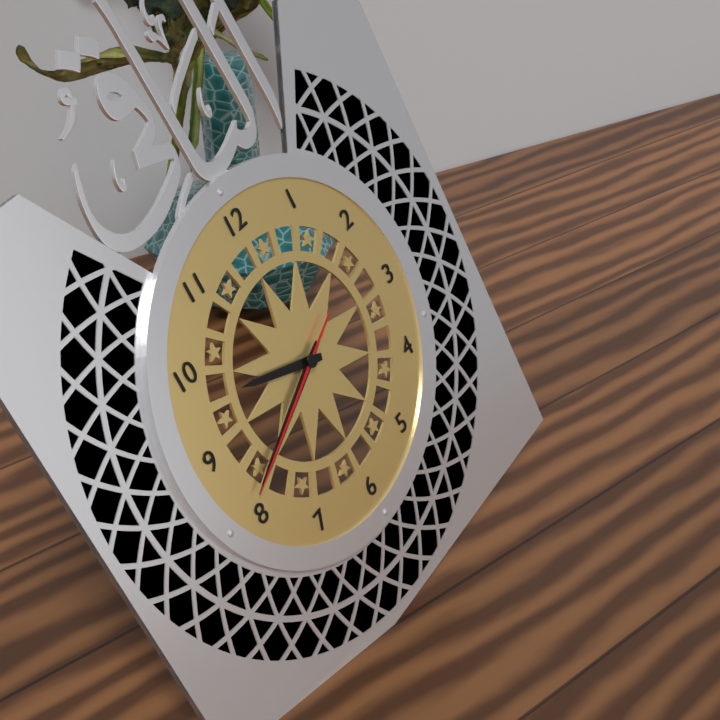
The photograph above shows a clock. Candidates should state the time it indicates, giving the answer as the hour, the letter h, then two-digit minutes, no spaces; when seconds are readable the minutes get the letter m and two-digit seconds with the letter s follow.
9h41m41s
